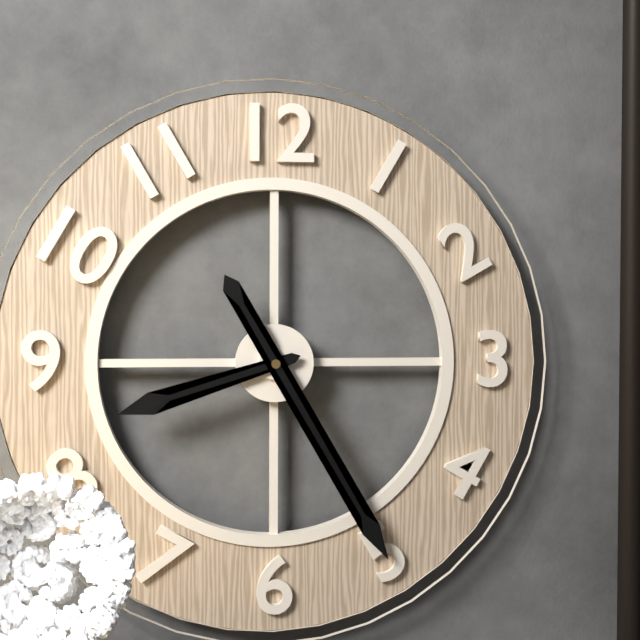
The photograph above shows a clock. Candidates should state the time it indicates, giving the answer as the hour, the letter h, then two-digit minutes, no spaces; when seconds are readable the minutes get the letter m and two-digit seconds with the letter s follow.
8h25
